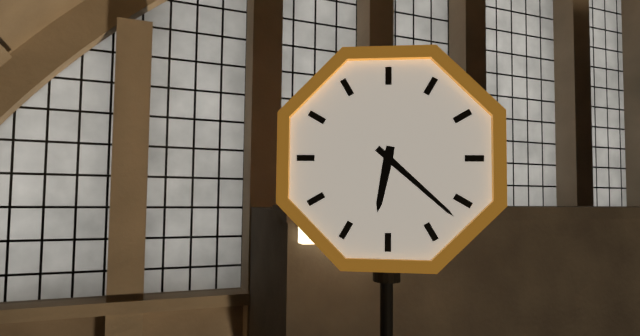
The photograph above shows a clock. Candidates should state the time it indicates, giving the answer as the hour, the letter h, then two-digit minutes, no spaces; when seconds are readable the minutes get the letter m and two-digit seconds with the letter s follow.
6h22
